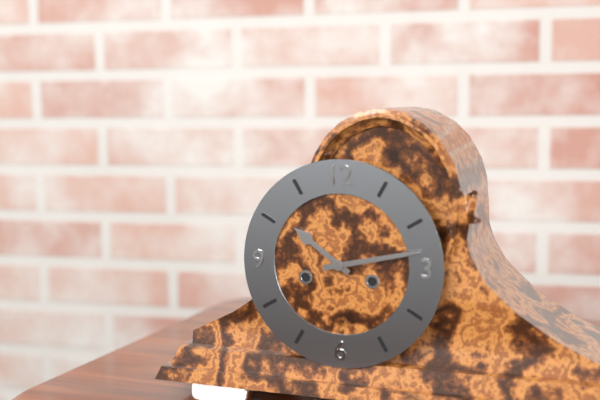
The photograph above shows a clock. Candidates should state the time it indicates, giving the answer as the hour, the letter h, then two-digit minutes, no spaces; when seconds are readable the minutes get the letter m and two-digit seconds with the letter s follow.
10h13
